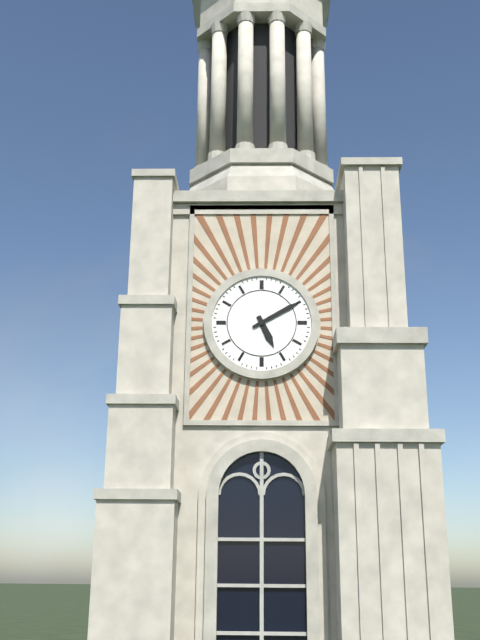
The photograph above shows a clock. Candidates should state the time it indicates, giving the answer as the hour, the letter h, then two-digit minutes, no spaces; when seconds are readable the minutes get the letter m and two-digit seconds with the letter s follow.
5h10
